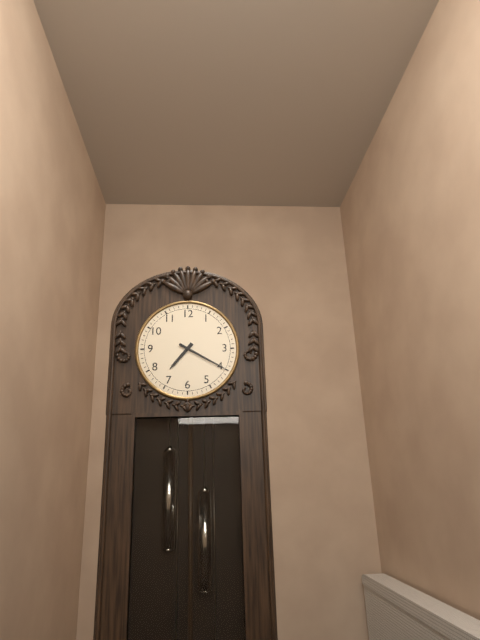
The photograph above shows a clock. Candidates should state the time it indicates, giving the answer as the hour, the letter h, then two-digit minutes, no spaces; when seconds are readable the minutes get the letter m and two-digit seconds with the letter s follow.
7h20
